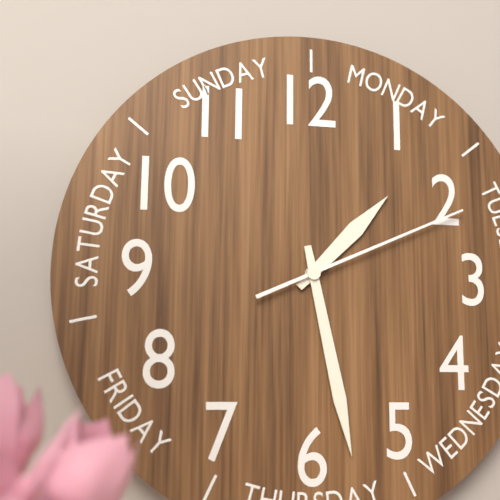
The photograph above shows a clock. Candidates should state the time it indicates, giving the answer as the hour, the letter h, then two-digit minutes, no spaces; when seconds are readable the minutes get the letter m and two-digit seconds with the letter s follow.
1h28m11s
